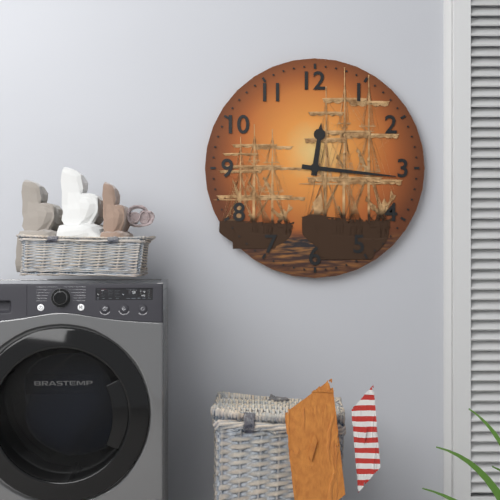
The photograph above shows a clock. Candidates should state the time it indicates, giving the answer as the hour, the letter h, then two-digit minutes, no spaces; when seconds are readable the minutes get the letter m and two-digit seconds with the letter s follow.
12h16
